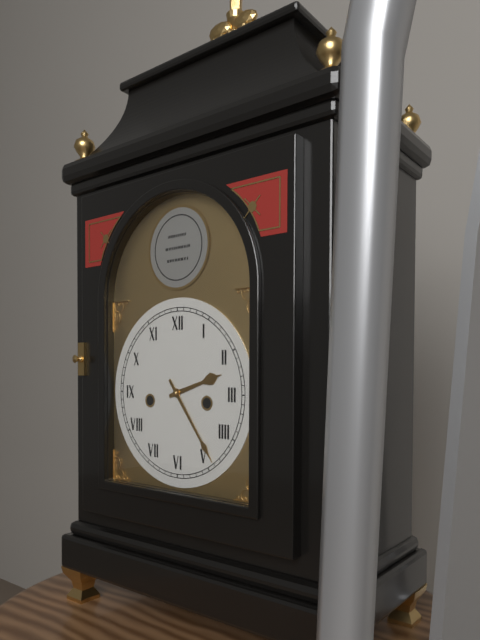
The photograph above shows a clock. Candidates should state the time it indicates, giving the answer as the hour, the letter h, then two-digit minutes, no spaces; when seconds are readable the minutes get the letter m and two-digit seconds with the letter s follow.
2h24
